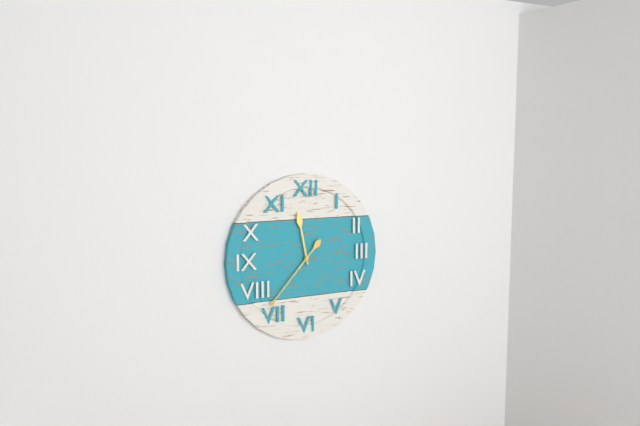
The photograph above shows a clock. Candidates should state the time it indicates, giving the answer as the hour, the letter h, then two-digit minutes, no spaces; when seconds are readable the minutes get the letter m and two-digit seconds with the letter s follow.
11h37
